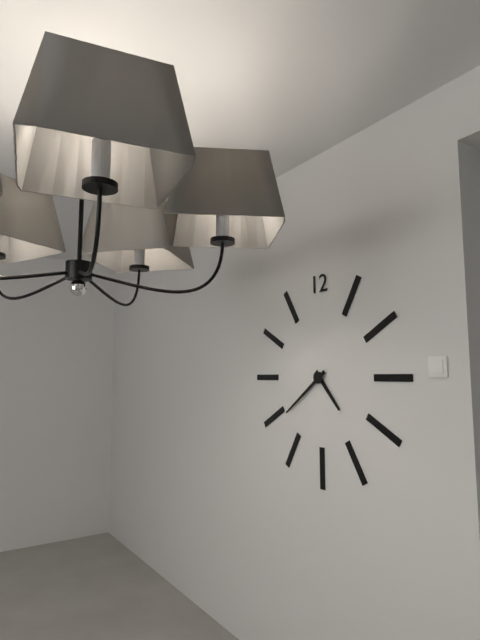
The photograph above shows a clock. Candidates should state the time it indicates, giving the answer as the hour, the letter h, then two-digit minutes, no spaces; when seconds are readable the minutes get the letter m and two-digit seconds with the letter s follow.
4h39
